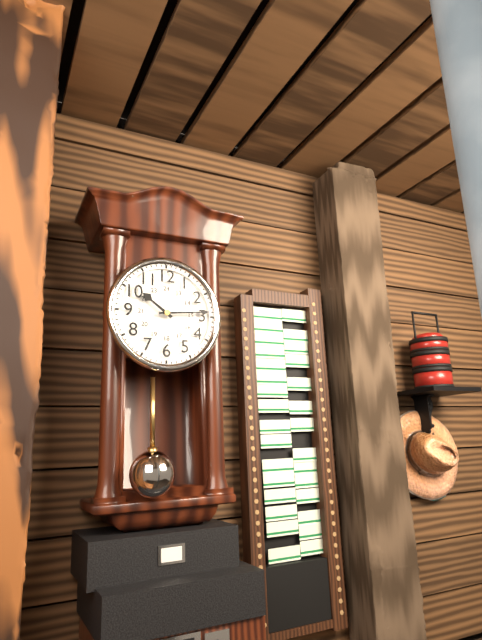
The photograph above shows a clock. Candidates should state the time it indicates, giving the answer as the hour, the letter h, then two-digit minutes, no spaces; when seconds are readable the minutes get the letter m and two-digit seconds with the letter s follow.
10h14
